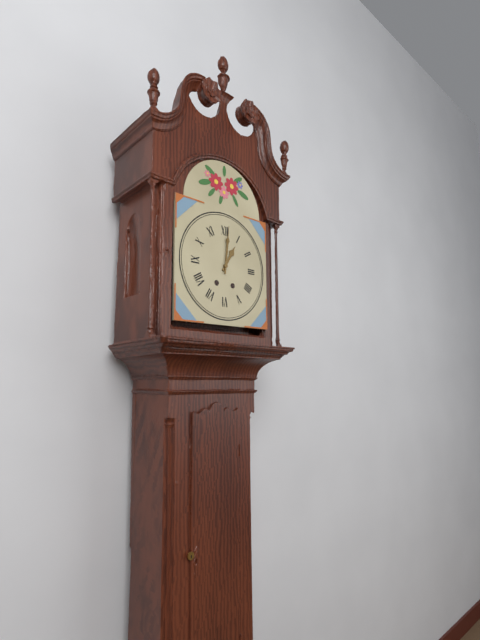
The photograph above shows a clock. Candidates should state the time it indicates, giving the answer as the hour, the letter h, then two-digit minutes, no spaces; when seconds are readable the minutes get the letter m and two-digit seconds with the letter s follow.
1h01
